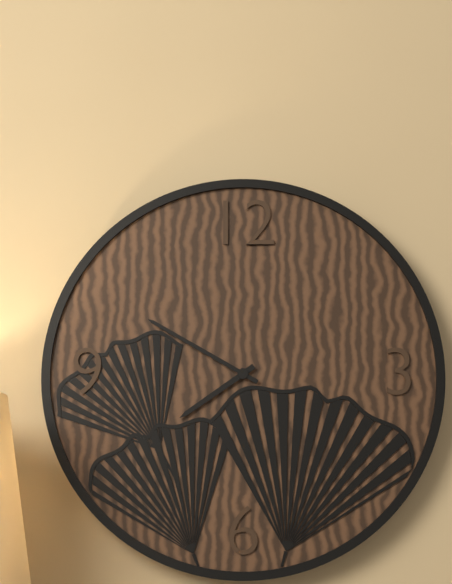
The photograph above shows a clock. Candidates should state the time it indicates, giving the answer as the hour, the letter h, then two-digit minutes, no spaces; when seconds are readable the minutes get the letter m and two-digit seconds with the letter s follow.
7h50
